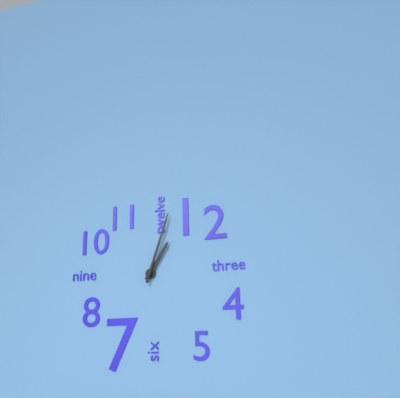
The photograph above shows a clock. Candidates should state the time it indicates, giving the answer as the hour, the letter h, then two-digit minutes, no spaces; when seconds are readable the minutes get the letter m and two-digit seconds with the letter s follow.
1h03
